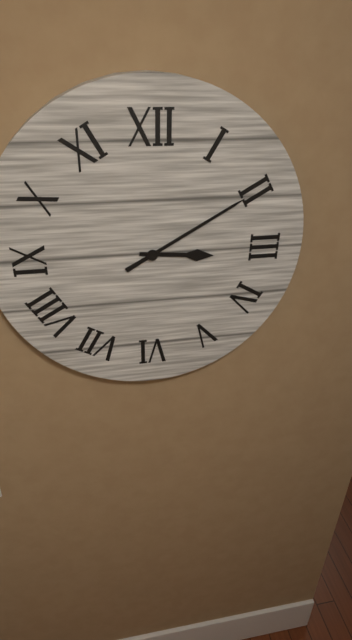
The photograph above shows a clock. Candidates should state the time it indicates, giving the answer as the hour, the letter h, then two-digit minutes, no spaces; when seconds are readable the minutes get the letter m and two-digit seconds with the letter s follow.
3h10
